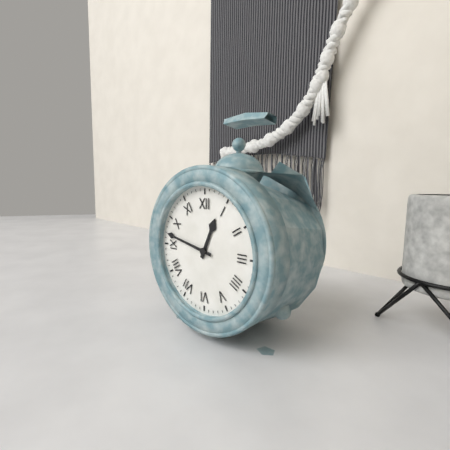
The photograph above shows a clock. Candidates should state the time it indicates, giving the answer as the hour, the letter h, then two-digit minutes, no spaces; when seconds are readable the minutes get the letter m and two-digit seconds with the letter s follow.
12h47
